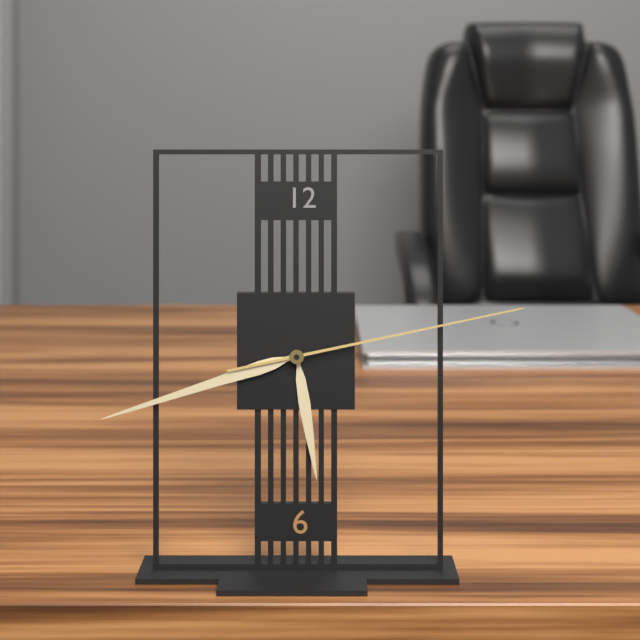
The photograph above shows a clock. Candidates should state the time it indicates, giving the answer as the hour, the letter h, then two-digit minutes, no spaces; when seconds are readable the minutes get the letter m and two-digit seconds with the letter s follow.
5h42m13s
